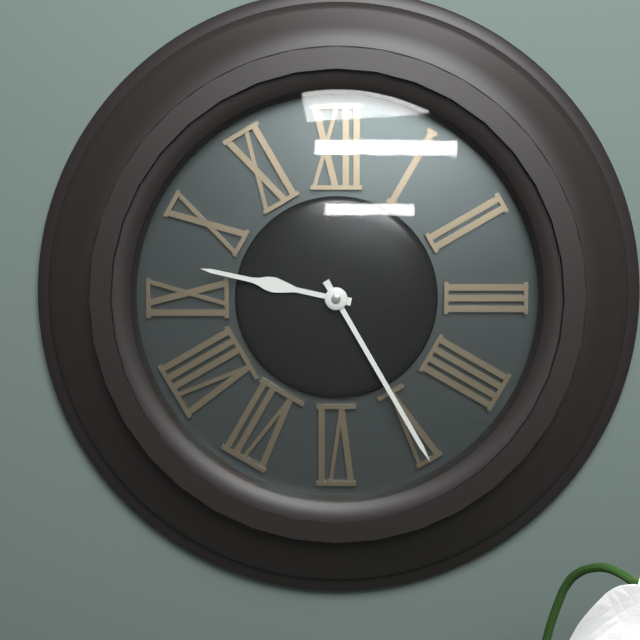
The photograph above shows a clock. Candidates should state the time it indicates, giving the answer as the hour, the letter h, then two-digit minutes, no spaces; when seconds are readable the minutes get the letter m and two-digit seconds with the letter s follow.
9h25
